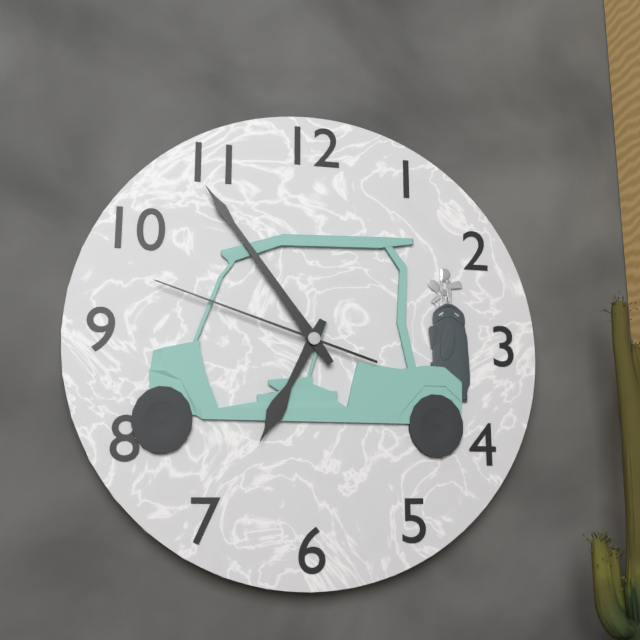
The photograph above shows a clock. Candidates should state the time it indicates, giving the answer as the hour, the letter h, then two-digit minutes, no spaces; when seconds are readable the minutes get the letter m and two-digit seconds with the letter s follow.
6h54m48s
